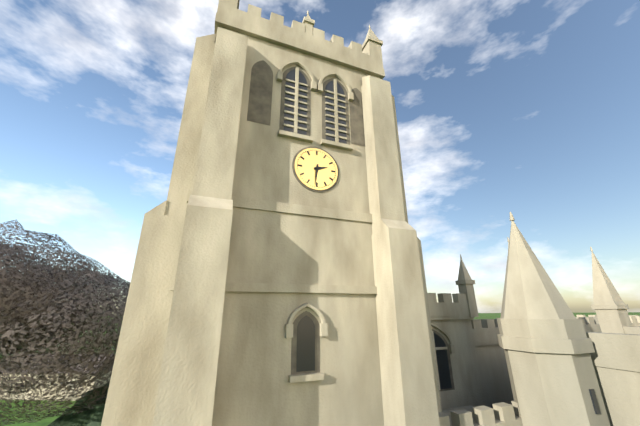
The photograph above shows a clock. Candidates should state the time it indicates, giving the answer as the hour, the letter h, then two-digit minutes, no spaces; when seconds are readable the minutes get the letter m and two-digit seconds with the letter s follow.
2h31
